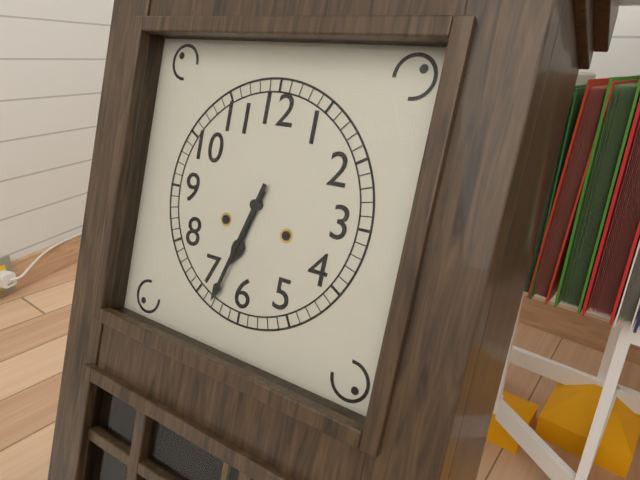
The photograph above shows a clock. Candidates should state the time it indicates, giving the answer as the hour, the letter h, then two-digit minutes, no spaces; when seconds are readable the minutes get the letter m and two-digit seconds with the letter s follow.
6h33
